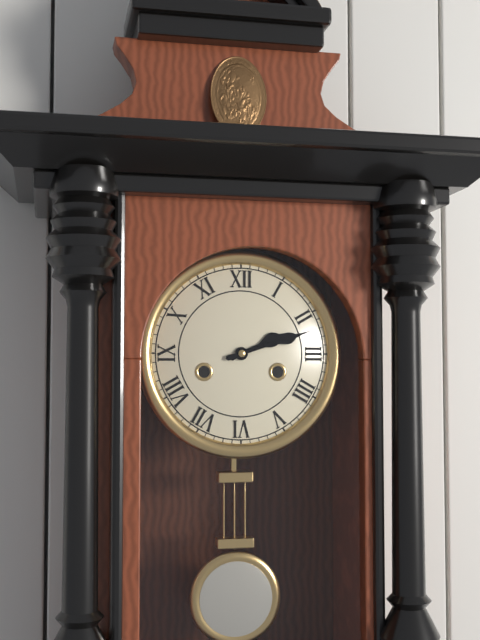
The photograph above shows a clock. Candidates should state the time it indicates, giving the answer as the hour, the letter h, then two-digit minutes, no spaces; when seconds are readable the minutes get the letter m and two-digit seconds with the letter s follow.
2h12
